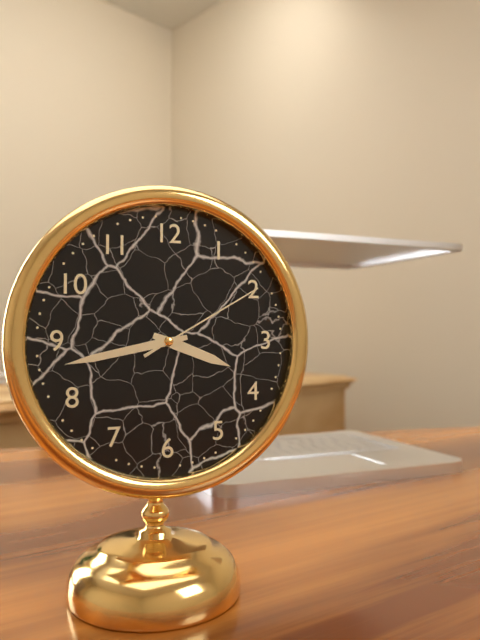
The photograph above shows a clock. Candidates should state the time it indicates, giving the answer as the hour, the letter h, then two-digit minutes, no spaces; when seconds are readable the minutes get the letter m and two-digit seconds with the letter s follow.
3h43m10s
